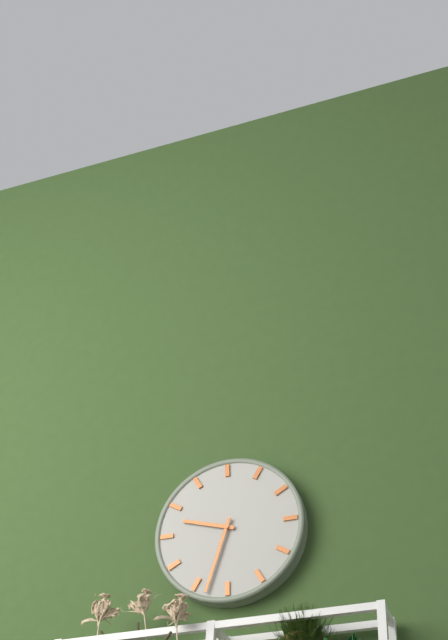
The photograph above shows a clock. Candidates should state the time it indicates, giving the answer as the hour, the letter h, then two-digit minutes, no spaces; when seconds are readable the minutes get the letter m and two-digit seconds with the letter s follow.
9h33
